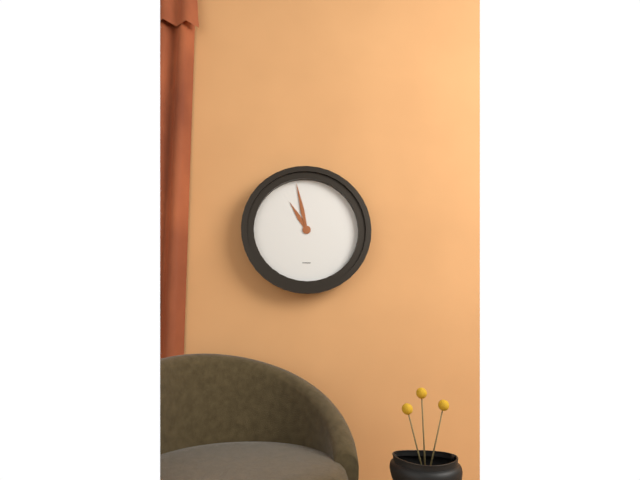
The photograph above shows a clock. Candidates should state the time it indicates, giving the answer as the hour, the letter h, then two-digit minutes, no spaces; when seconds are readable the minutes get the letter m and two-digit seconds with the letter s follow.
10h58
